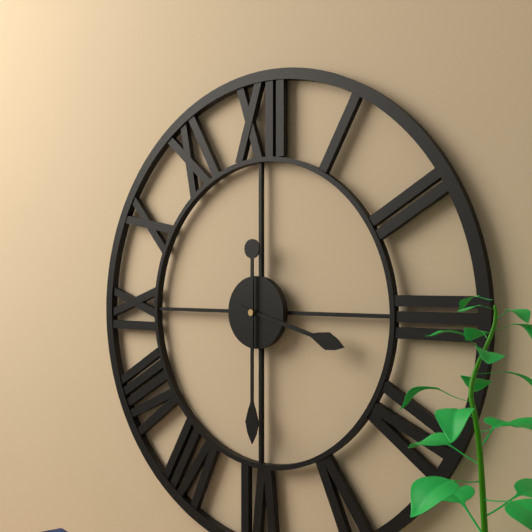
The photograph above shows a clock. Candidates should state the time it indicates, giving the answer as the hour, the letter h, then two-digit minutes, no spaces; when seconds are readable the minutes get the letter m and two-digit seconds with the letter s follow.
3h30
